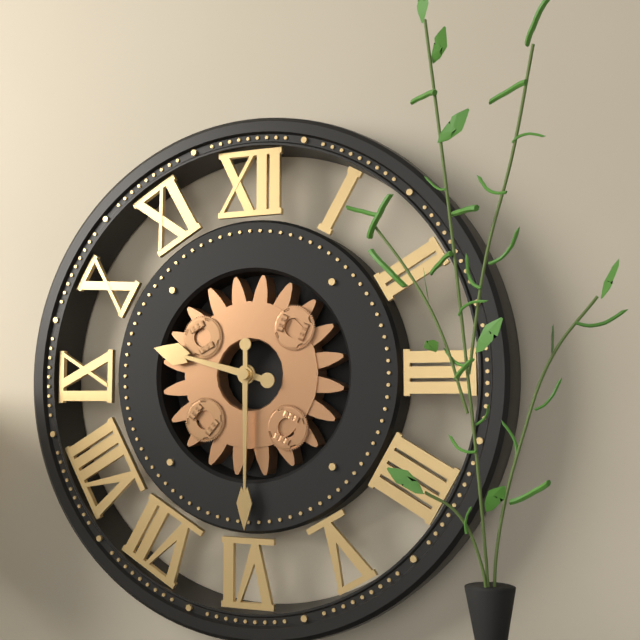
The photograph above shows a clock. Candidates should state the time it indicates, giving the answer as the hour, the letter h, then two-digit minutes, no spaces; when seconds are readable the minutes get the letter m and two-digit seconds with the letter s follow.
9h30
